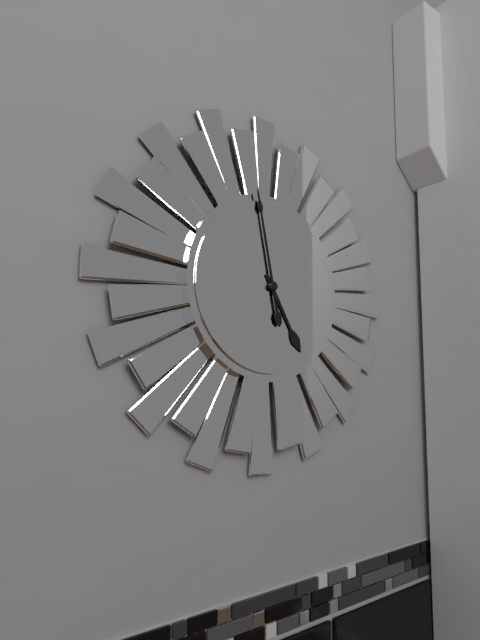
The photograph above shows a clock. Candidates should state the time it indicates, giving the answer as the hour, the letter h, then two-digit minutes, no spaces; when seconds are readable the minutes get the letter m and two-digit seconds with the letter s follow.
4h58
